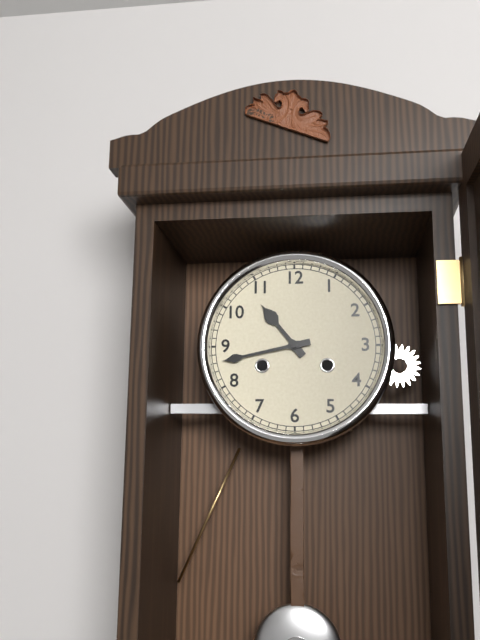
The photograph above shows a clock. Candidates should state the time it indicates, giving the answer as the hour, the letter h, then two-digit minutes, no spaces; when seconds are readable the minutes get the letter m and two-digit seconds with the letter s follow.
10h43
